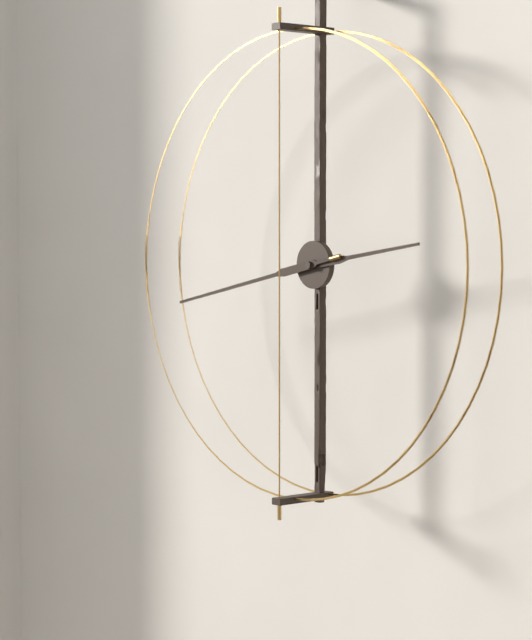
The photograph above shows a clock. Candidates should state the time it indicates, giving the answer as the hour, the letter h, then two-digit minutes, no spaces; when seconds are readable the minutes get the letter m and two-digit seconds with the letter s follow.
2h43
